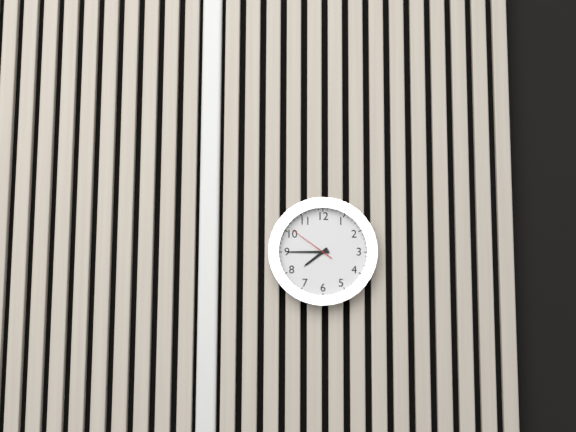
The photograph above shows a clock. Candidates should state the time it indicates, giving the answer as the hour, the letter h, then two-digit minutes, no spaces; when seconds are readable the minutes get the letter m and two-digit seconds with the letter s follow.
7h45m51s
